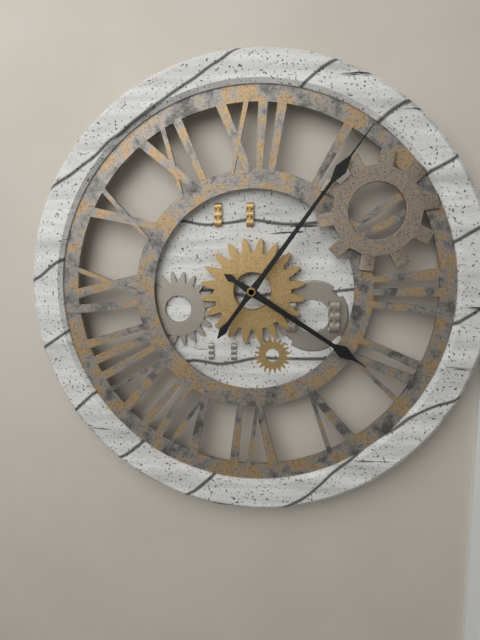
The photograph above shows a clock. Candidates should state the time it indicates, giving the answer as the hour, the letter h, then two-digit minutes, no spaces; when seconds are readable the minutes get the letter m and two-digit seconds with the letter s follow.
4h06
